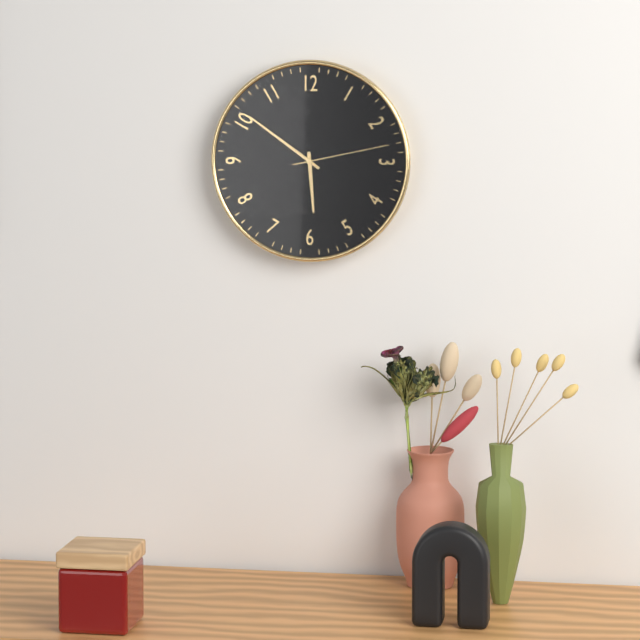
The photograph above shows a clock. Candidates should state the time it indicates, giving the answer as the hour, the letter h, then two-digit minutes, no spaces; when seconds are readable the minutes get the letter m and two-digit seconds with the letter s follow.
5h51m13s
